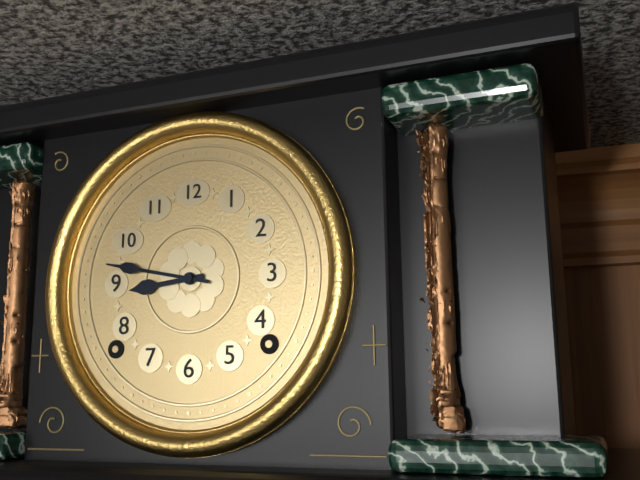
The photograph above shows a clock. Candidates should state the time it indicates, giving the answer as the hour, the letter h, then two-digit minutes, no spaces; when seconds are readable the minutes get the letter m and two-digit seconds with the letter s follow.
8h47
